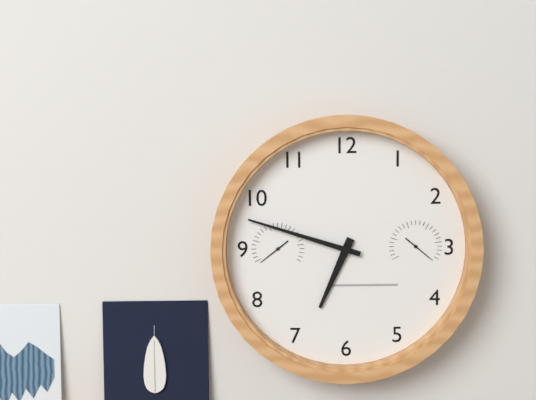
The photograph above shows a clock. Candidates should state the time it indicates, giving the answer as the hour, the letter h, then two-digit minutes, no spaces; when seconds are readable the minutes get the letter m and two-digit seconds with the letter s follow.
6h48
